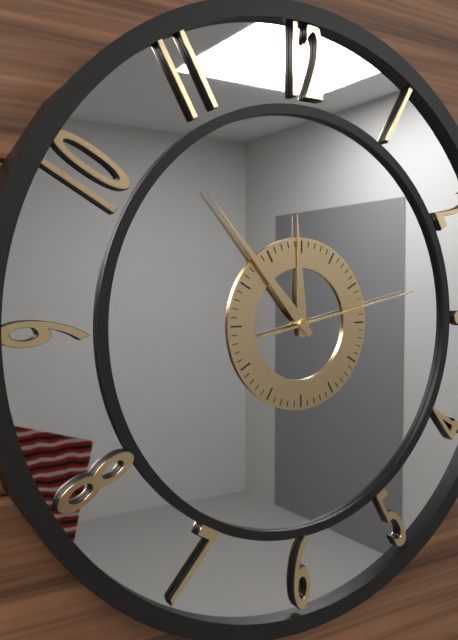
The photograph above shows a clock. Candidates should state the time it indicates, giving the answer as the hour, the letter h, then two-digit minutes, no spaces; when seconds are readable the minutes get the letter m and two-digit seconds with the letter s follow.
11h53m13s
